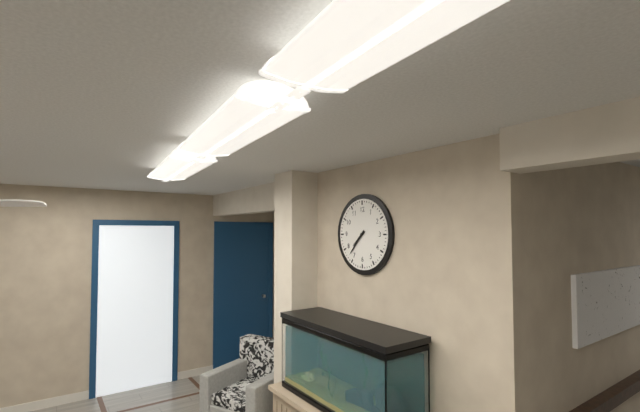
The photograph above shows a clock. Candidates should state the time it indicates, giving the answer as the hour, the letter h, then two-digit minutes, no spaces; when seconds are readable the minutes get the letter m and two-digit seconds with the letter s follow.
7h37
